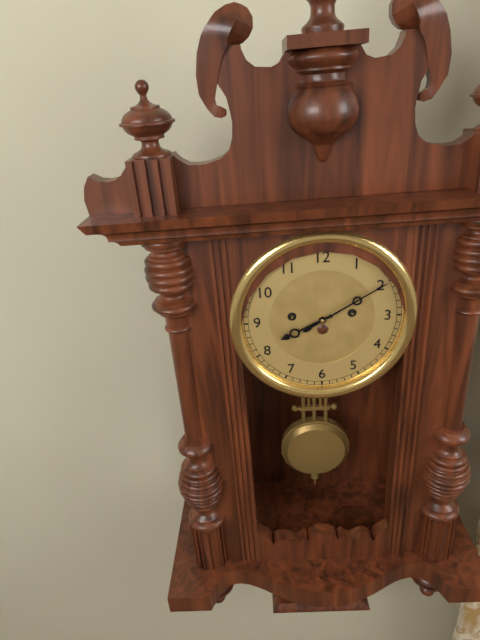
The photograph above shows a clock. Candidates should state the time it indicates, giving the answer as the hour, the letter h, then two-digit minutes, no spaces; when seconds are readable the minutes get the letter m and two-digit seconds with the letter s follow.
8h10
